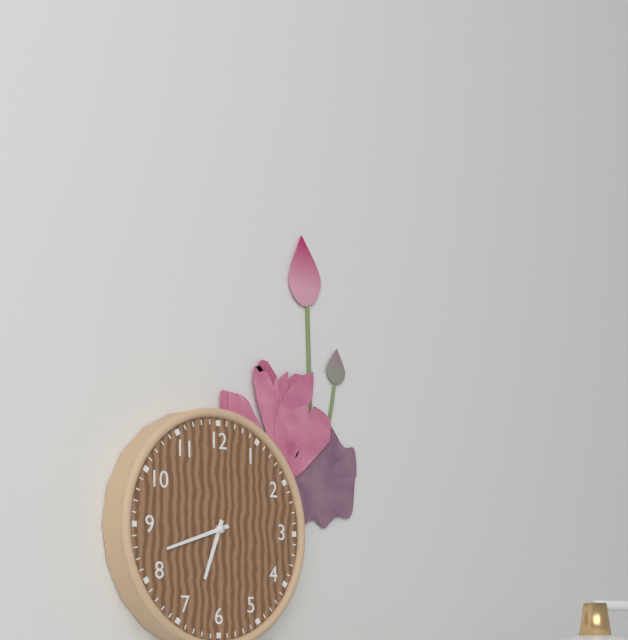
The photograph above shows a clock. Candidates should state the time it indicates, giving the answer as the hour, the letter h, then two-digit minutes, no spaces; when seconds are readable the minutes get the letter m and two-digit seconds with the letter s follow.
6h42
